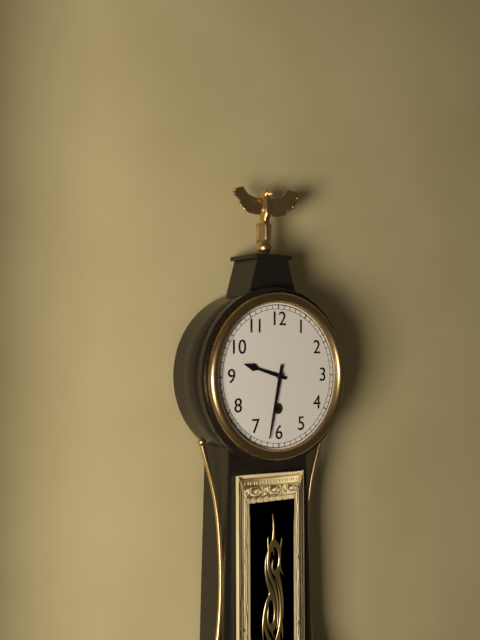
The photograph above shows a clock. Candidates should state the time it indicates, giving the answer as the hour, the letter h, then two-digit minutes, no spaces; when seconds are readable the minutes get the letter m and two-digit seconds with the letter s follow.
9h32
